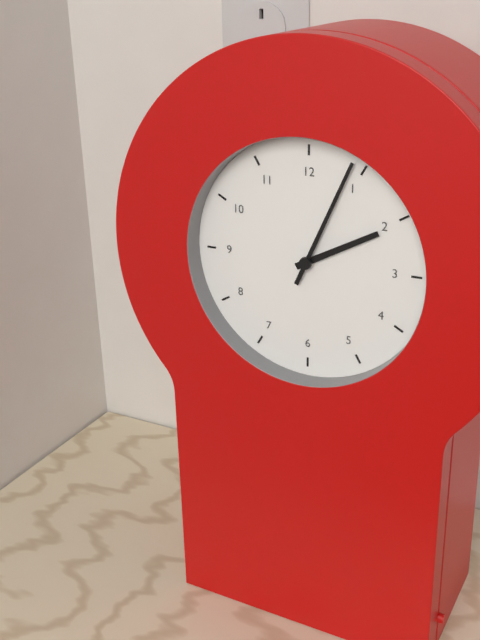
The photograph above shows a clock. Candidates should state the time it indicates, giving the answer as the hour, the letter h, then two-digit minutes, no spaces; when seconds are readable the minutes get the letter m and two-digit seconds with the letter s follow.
2h04
